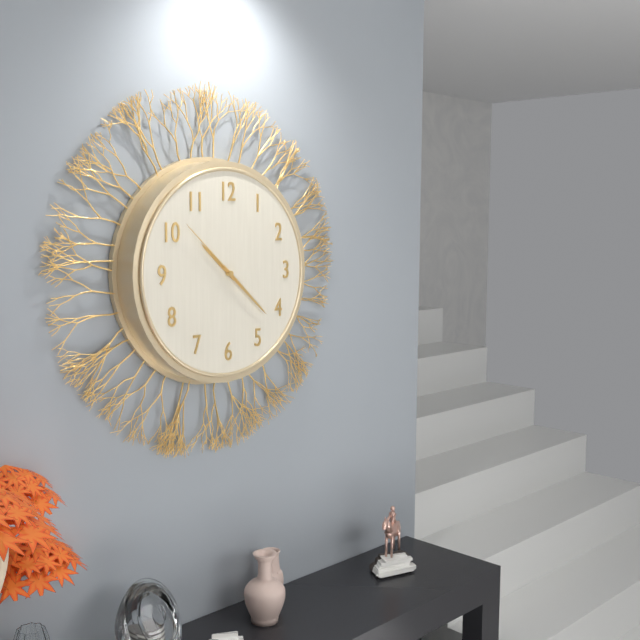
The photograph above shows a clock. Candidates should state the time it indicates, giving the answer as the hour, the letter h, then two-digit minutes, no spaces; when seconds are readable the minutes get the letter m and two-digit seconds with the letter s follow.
10h22m52s
